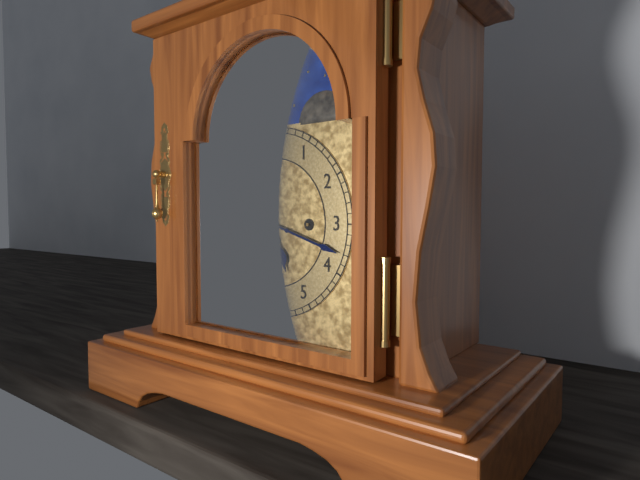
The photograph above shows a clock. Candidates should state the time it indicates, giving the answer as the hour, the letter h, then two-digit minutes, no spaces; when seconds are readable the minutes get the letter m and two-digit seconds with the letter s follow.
5h18
